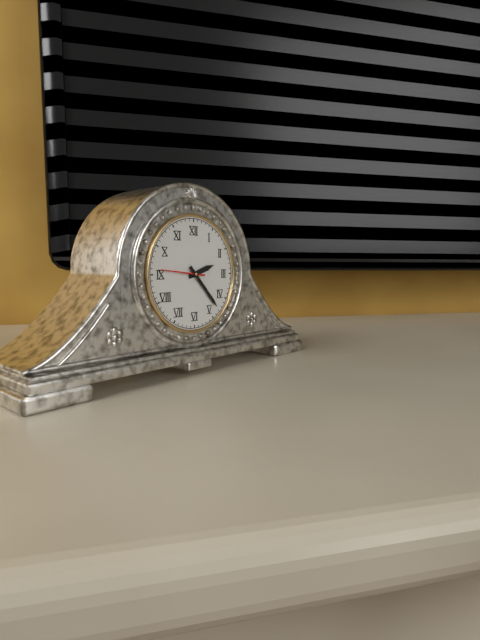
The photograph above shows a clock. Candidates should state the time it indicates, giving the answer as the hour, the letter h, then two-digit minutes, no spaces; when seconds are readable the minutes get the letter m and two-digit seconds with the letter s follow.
2h23
